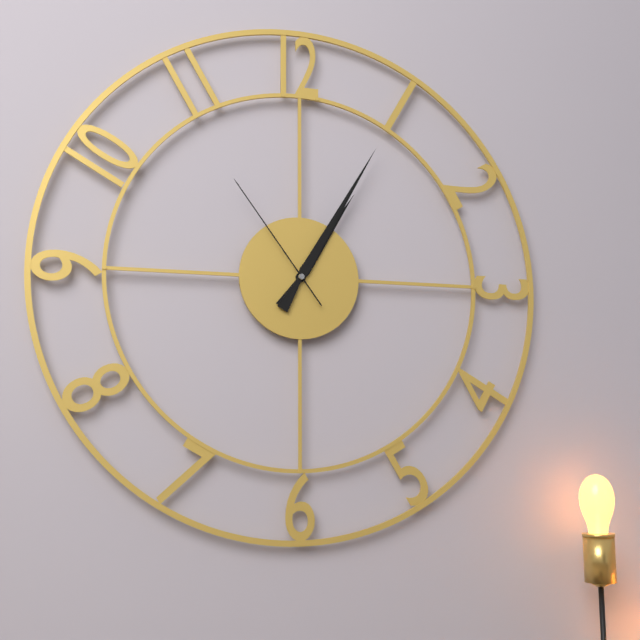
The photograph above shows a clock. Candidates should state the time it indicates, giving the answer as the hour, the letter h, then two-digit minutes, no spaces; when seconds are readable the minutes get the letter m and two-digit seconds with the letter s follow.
1h05m54s
